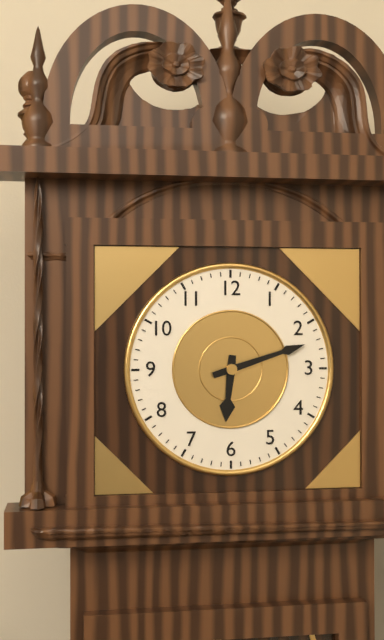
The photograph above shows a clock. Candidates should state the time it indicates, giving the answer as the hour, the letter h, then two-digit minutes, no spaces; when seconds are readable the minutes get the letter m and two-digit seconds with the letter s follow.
6h12
